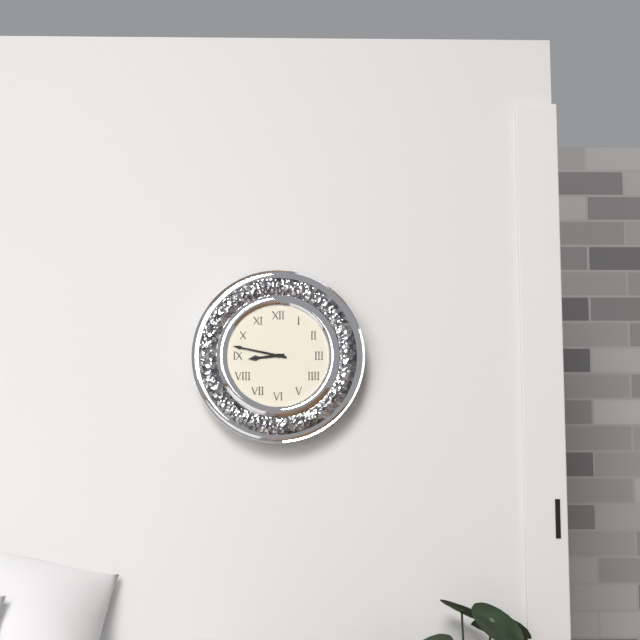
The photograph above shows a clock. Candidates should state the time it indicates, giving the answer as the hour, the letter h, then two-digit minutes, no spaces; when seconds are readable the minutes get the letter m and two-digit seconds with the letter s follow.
8h47
